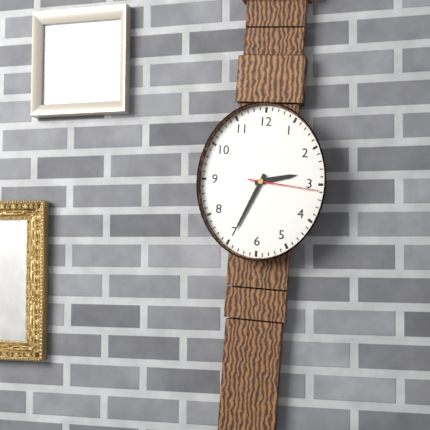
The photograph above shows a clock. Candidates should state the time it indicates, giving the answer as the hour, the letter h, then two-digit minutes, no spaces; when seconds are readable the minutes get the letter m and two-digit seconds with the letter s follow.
2h34m16s
